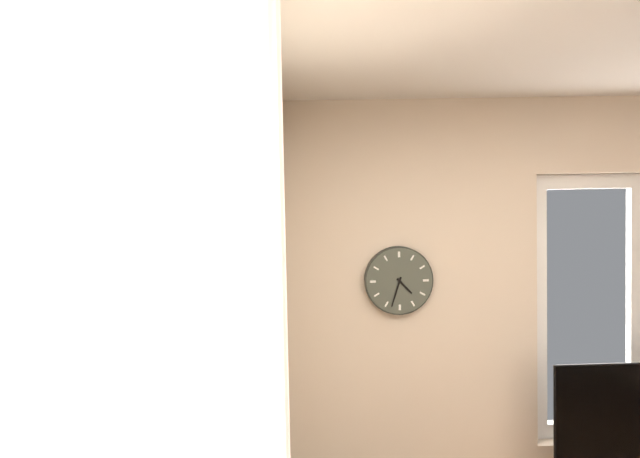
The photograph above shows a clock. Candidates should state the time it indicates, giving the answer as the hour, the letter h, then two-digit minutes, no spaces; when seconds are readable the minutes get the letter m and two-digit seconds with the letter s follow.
4h33
